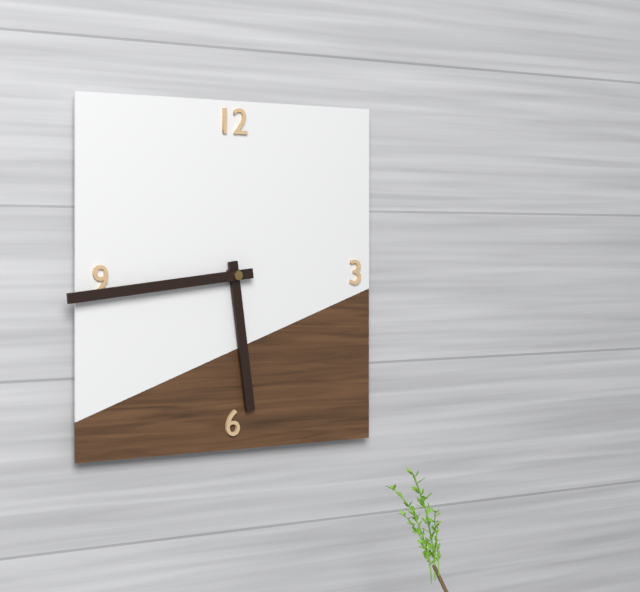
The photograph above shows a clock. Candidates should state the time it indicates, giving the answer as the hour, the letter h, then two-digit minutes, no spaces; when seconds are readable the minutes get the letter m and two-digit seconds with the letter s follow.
5h44
